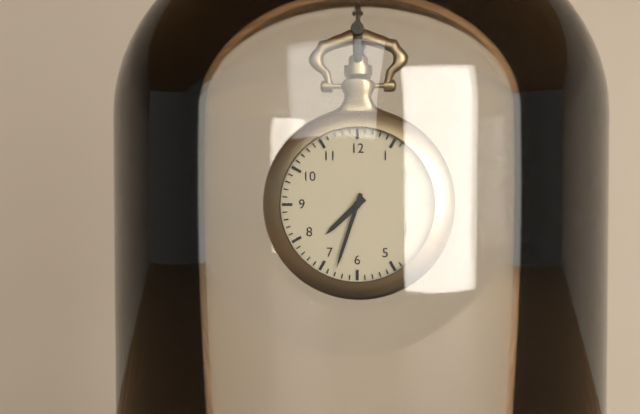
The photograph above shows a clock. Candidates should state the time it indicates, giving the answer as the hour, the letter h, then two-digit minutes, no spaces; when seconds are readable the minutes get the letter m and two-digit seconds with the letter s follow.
7h33
